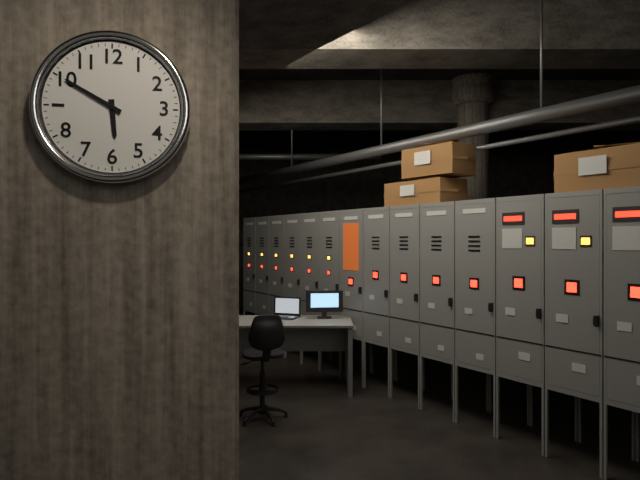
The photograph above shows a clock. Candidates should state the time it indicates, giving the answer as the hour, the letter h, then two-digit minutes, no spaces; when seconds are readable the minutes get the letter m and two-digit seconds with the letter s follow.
5h50
